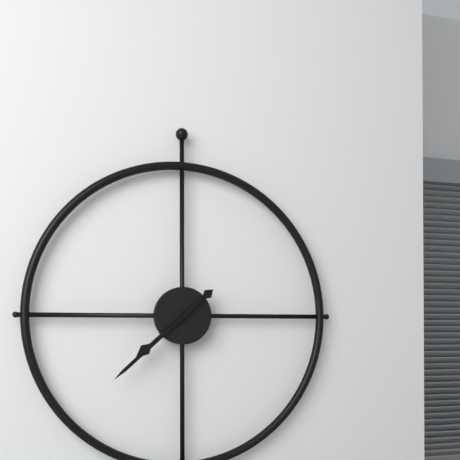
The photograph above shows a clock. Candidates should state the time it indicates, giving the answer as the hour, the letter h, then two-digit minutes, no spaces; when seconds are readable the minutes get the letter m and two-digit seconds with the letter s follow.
7h38
